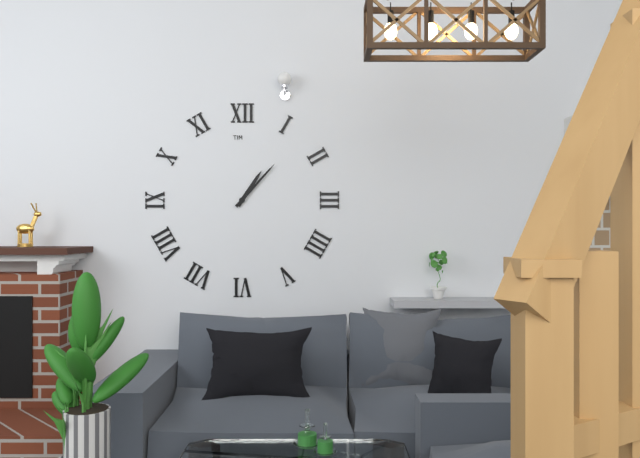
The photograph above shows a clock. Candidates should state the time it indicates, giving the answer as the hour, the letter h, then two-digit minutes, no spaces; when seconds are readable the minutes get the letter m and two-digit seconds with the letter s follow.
1h07
